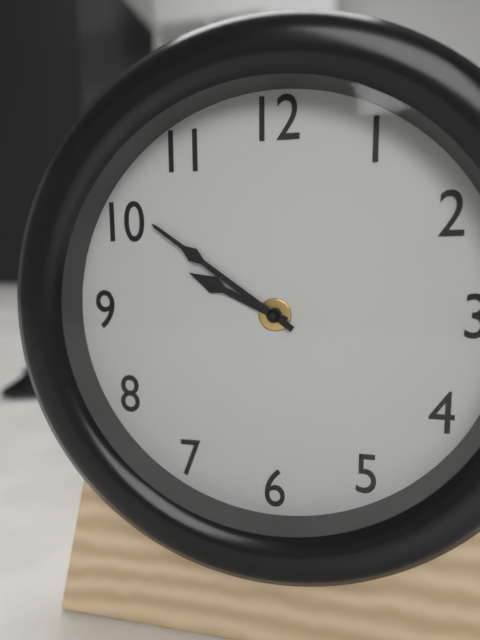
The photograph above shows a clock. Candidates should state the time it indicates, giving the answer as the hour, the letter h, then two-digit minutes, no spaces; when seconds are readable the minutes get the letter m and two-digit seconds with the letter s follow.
9h51
